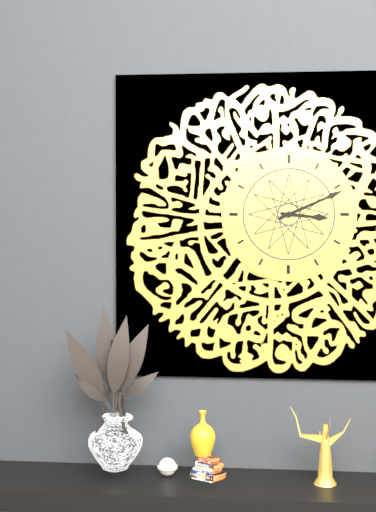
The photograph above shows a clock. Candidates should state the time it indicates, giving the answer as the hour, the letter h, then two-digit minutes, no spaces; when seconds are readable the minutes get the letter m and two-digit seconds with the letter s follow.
3h11
